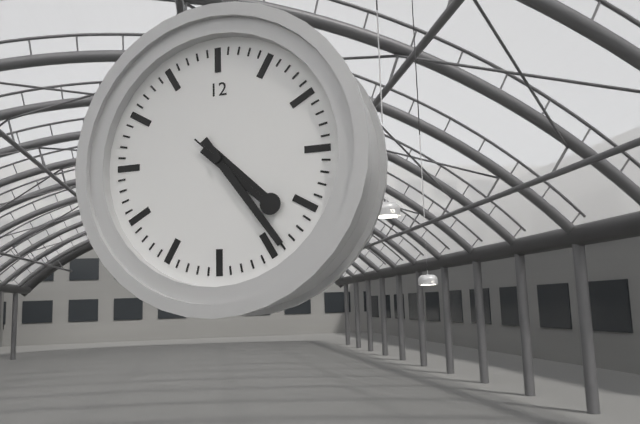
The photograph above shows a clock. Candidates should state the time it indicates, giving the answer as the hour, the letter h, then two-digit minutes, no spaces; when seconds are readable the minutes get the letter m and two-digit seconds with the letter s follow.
4h24m22s
